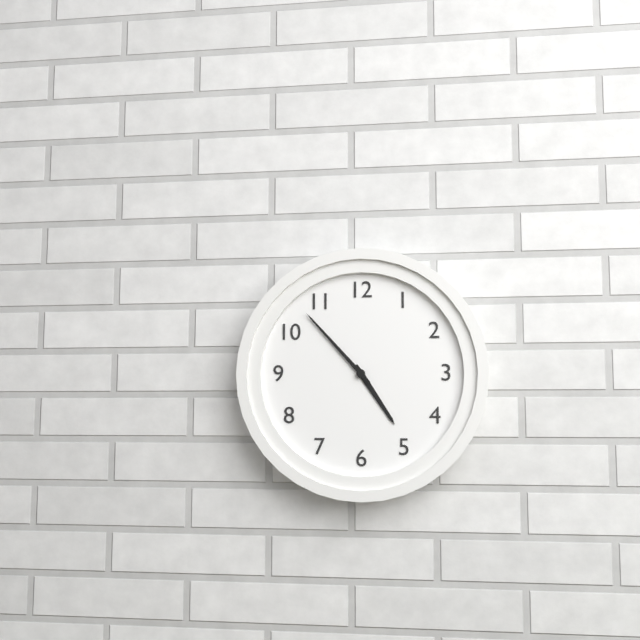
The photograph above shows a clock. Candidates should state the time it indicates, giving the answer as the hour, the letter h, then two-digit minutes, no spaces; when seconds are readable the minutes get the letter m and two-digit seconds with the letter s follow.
4h53
